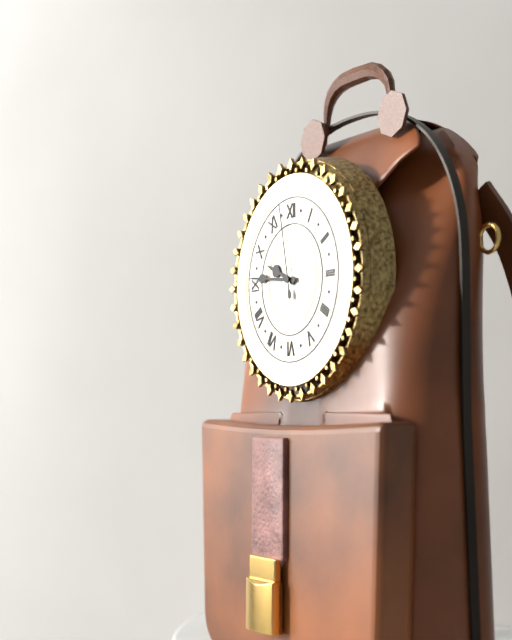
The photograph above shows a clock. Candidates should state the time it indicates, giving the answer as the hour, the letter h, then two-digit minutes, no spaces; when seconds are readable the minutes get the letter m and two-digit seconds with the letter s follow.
9h46m58s
